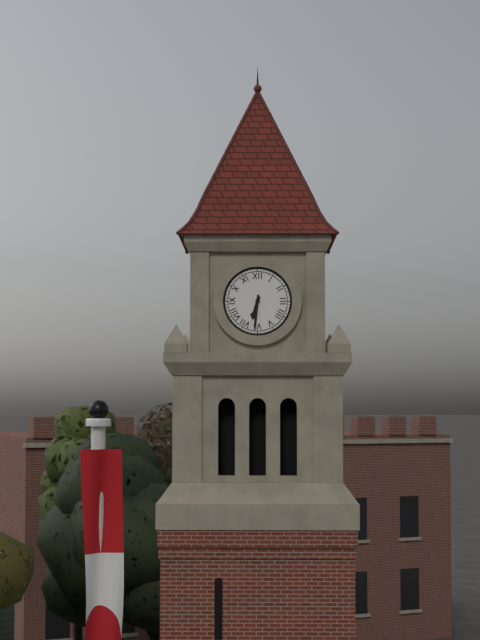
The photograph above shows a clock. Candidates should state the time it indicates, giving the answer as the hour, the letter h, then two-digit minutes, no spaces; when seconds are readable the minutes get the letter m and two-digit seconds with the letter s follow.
6h31
